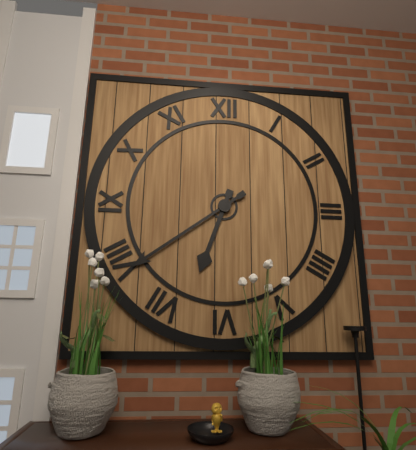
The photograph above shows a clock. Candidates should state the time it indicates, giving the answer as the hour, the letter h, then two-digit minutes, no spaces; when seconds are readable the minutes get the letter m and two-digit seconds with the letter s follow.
6h39
